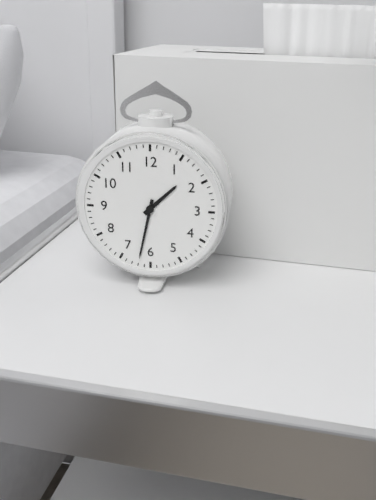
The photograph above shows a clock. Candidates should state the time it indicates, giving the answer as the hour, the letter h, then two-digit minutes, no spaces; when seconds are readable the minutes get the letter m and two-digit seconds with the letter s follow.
1h32
